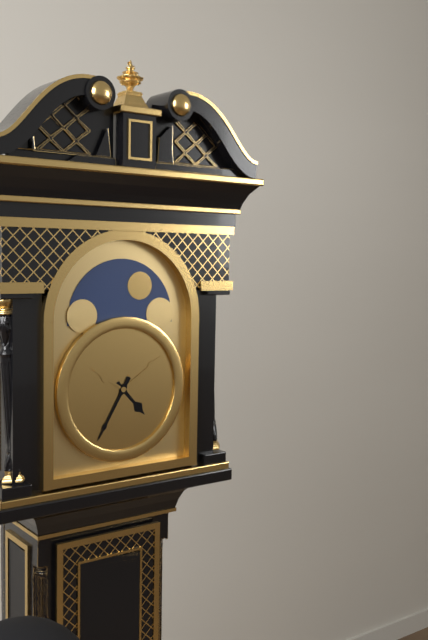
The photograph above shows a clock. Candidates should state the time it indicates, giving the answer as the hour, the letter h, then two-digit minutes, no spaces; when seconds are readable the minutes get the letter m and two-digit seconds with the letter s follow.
4h35
